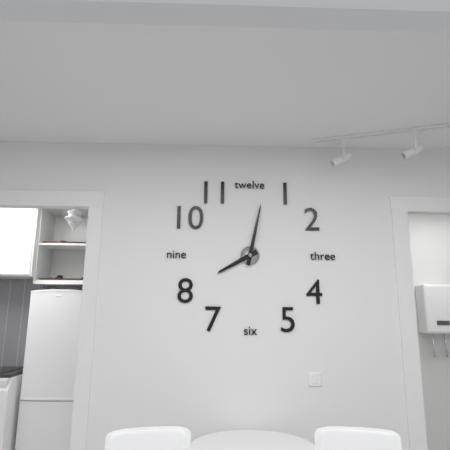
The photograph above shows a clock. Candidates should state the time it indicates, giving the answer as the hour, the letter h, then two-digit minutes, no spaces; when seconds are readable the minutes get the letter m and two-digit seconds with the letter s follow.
8h02
